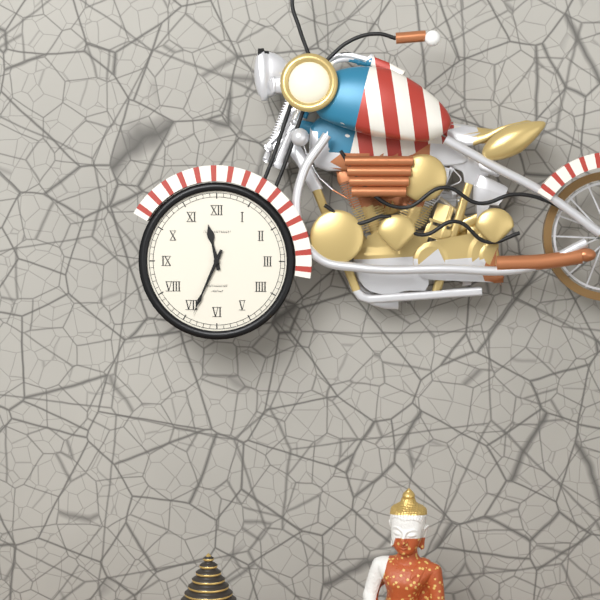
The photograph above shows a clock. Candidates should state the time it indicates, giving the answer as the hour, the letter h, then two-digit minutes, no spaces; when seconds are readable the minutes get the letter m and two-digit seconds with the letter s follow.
11h34
